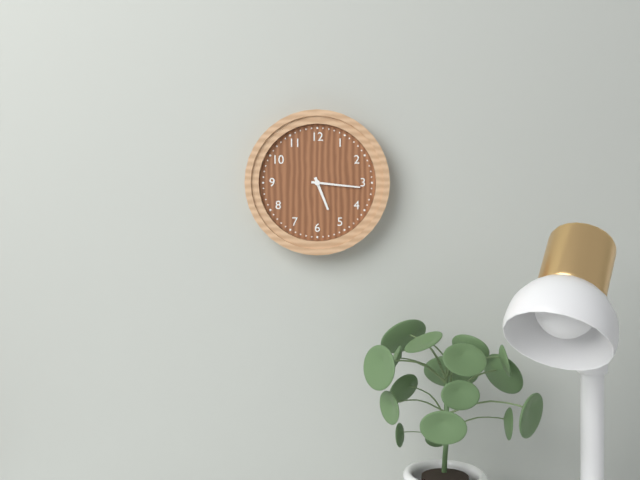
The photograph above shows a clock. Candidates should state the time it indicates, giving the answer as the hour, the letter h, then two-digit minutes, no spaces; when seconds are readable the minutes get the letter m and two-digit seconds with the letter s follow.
5h16
